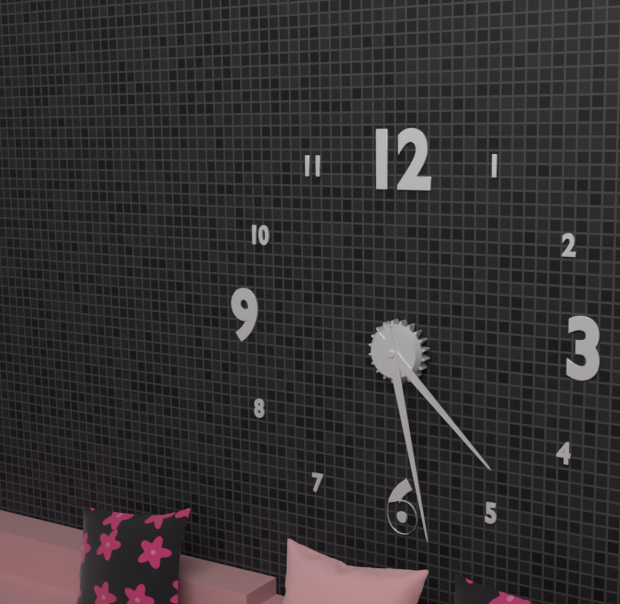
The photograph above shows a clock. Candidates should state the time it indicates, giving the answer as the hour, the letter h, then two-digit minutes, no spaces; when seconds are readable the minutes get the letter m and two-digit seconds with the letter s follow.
4h28
